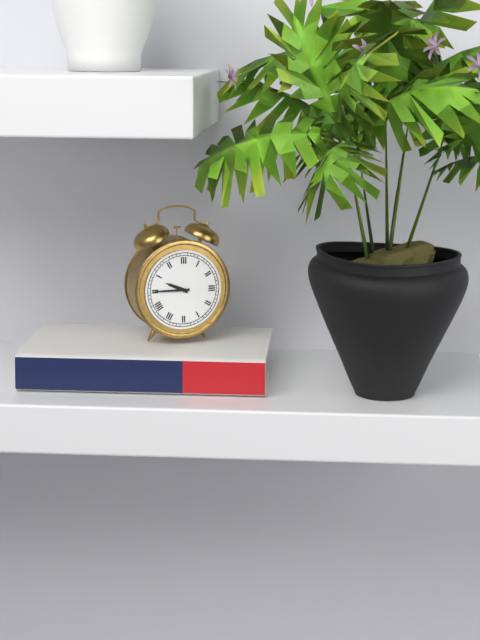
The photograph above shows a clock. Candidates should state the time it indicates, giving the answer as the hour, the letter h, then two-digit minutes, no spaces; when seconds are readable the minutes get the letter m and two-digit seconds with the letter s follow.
9h45
